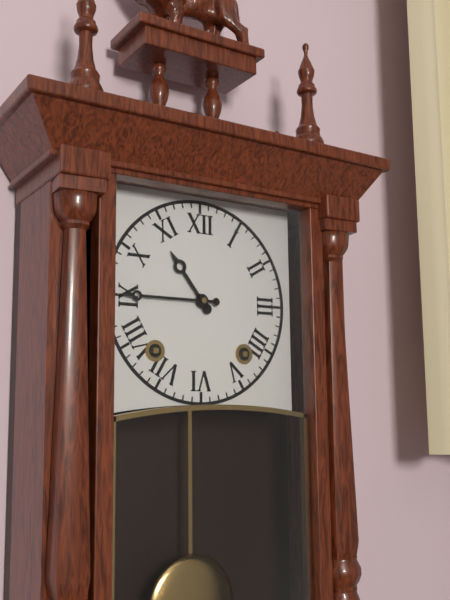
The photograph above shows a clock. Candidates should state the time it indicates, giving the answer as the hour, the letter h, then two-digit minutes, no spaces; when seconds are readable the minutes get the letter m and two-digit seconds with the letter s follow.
10h45
